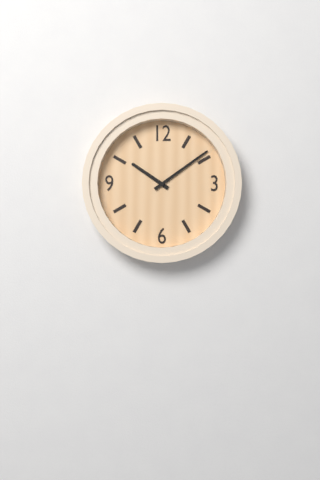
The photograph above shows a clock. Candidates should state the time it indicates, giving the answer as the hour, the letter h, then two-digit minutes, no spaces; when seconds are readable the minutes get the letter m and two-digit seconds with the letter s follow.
10h09
